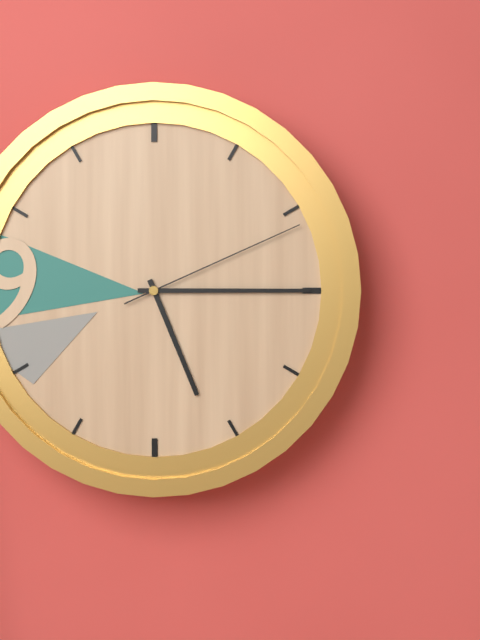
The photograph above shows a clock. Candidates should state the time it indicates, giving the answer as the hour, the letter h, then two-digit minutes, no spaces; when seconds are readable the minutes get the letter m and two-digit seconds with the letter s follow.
5h15m11s
